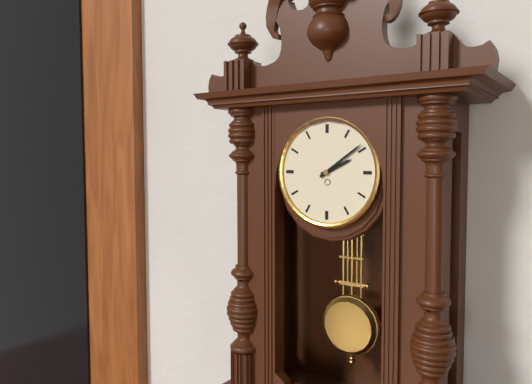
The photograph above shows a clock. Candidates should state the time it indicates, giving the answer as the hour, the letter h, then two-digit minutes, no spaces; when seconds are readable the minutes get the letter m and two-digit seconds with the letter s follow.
2h09
